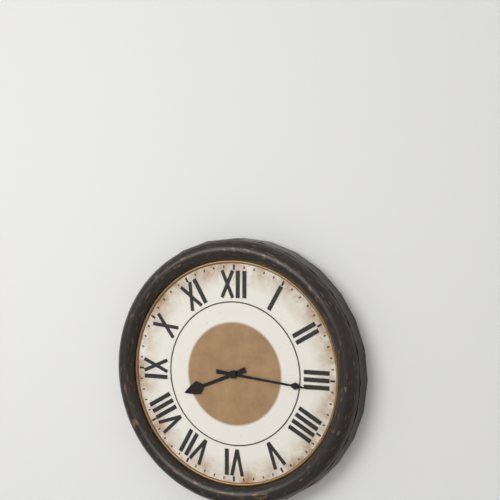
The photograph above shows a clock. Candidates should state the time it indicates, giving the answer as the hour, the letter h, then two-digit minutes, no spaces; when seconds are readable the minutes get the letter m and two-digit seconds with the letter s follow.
8h16
